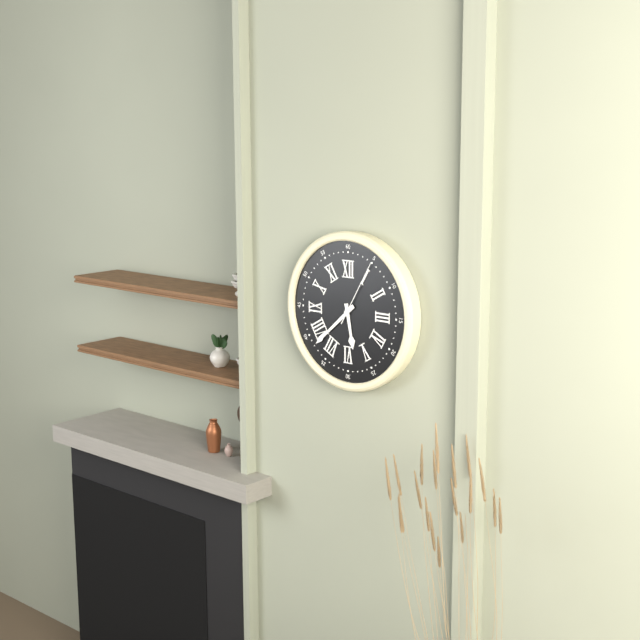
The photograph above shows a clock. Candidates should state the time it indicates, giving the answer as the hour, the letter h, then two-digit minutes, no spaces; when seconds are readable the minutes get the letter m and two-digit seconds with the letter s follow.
5h38m05s
